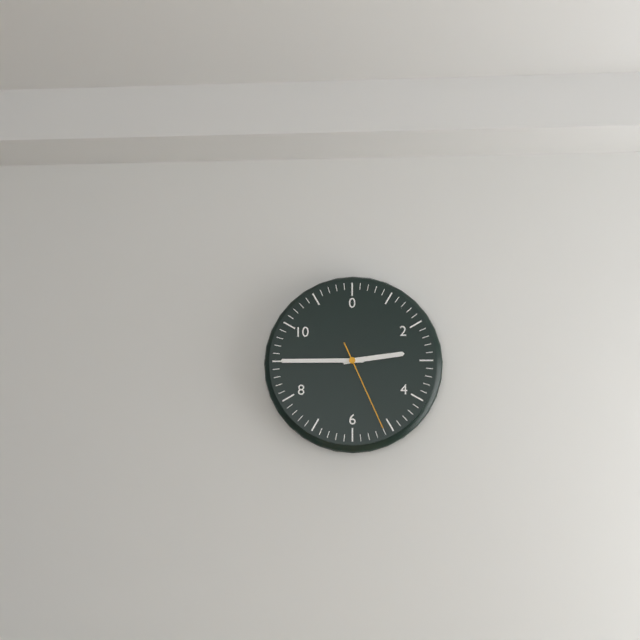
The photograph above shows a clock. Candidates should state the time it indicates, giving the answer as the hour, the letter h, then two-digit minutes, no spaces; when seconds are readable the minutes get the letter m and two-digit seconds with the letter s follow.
2h45m26s
